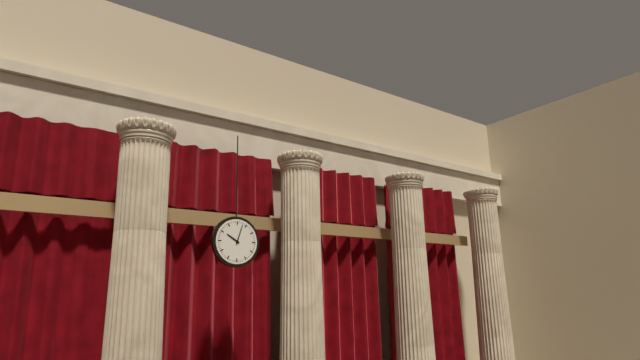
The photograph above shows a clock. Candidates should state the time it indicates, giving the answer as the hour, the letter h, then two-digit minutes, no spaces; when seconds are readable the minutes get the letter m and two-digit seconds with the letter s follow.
10h03
